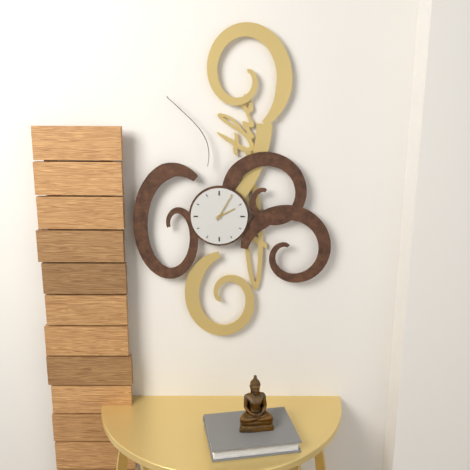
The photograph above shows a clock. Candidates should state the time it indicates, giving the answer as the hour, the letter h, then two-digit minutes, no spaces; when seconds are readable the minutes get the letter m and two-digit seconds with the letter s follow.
2h05
